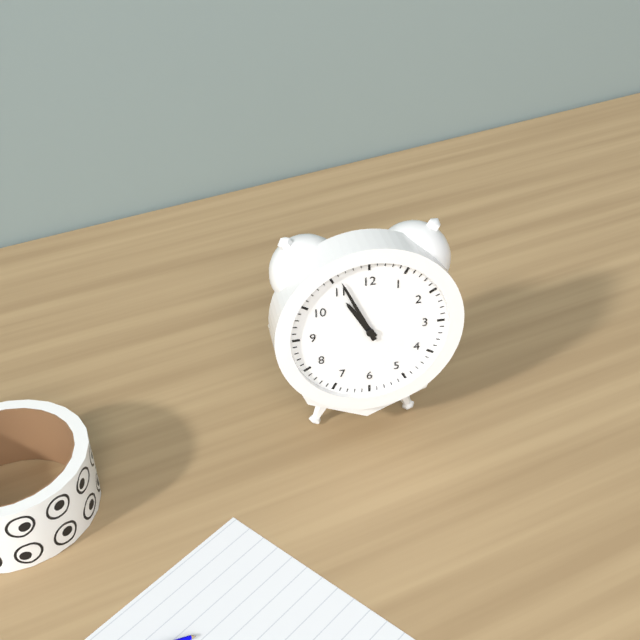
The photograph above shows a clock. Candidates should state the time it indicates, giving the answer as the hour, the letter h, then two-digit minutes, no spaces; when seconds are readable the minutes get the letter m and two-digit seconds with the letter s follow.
10h56
